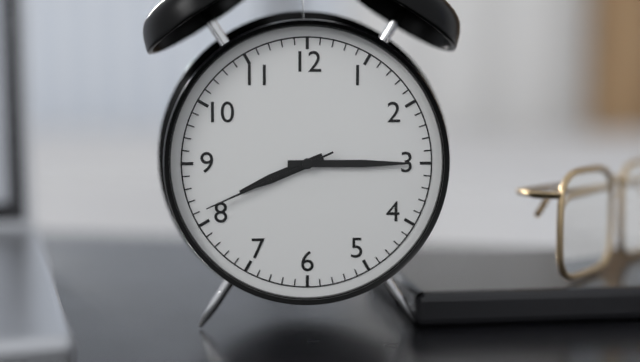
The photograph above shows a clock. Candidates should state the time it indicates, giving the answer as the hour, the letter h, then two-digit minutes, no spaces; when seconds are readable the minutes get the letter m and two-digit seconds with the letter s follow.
8h15m41s
